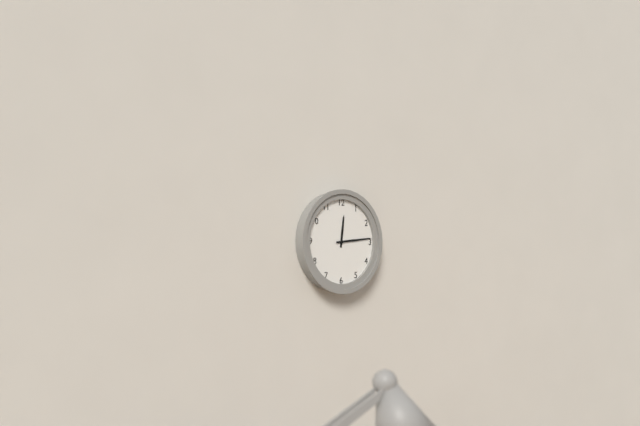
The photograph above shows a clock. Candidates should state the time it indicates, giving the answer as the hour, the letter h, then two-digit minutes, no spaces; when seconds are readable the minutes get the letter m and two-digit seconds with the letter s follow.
12h14
